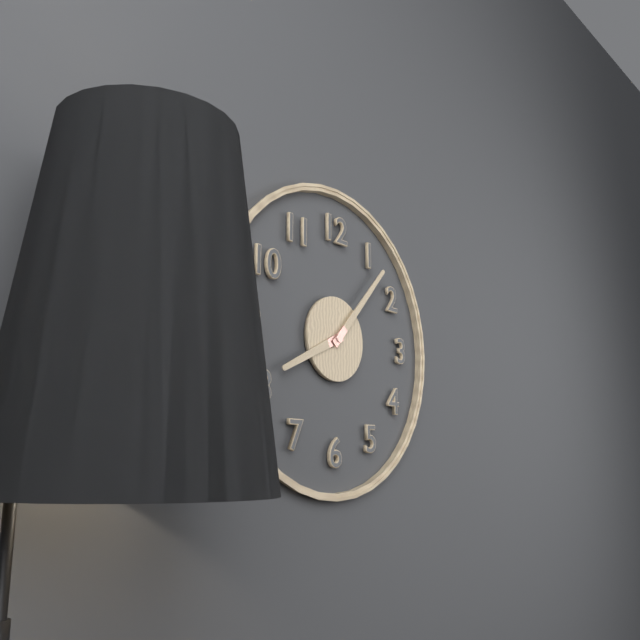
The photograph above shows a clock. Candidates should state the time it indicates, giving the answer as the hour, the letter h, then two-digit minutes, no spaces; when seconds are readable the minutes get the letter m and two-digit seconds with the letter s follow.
8h07
